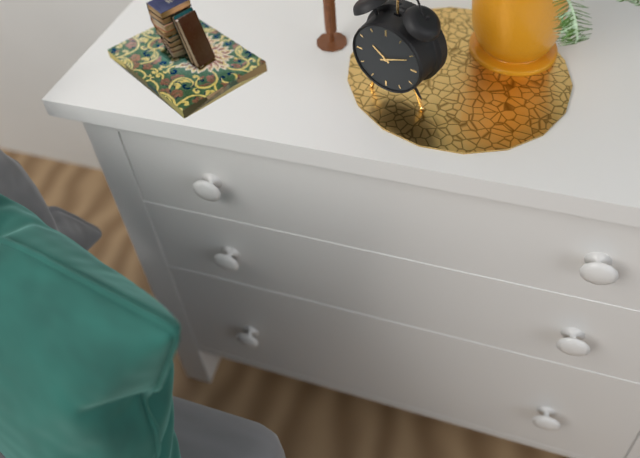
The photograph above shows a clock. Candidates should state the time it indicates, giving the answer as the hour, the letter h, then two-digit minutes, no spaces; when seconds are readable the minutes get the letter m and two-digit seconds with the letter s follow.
10h11
